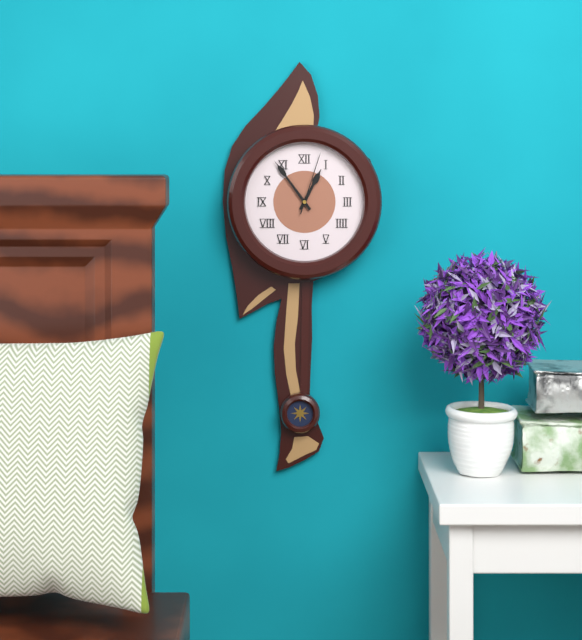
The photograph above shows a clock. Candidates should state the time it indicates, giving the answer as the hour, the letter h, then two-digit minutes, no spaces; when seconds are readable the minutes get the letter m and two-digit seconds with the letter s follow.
12h54m03s
